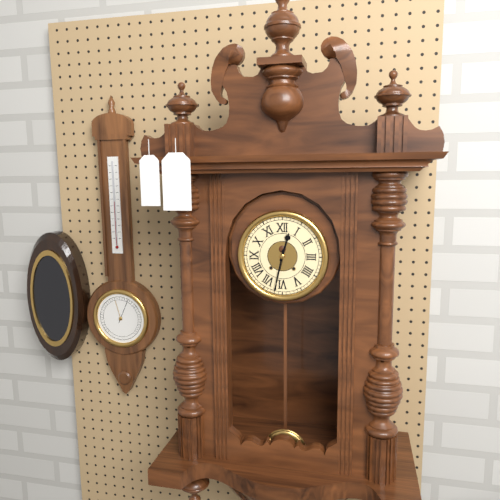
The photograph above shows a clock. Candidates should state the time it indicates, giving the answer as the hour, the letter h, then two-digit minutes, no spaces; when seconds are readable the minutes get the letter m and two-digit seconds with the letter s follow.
12h32
